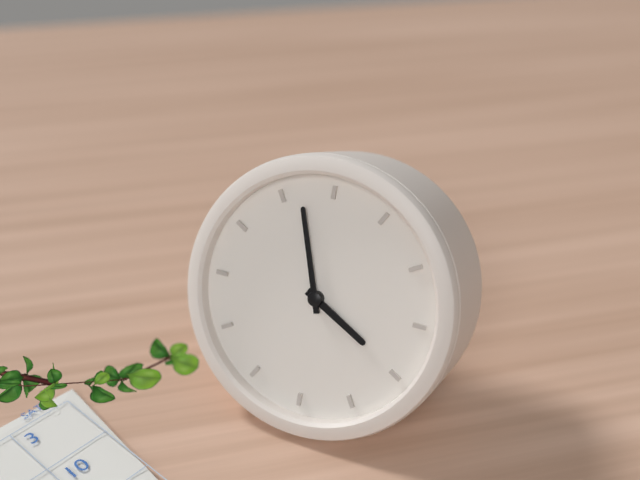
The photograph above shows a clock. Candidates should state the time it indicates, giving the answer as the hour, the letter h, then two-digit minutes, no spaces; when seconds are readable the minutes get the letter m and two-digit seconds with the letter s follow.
3h57
